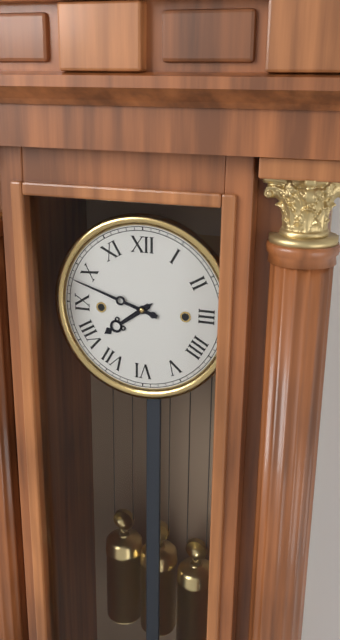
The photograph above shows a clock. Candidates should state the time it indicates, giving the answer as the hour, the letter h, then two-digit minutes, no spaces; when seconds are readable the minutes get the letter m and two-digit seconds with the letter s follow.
7h48
